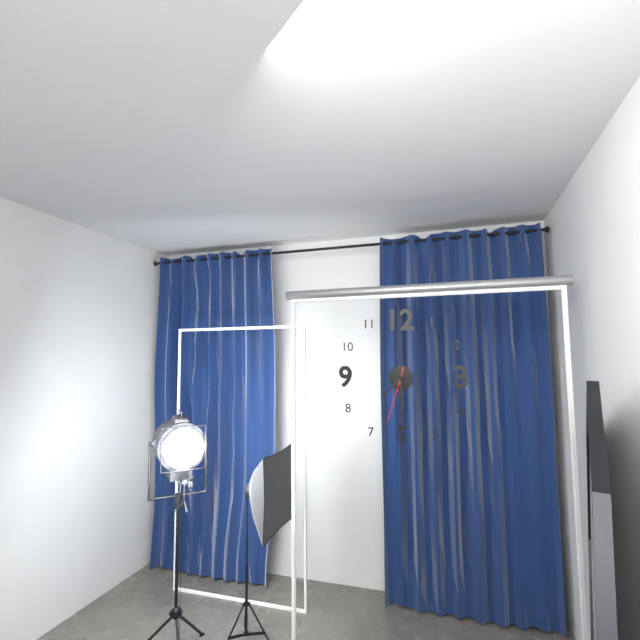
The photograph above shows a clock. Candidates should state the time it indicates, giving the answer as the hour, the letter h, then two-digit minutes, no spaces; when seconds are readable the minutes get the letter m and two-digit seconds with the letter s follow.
7h30m33s
